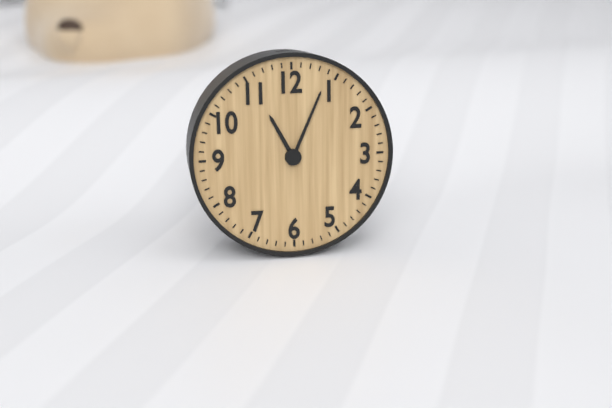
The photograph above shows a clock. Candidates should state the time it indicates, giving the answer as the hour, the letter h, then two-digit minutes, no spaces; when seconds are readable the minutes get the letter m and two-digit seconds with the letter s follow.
11h04
